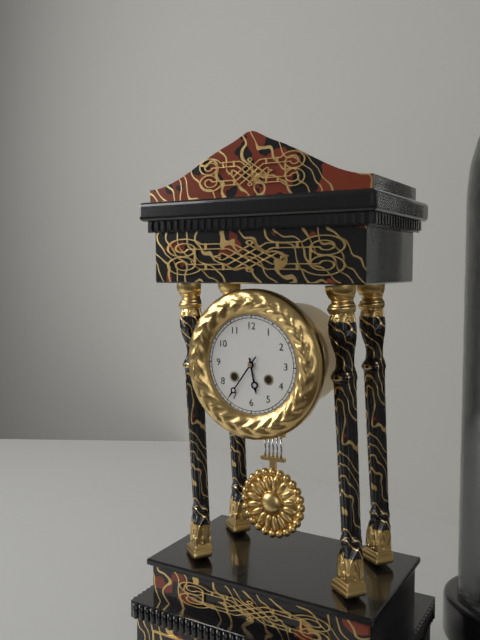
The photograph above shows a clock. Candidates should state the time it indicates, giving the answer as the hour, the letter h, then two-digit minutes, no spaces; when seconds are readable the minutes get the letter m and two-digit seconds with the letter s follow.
5h36
